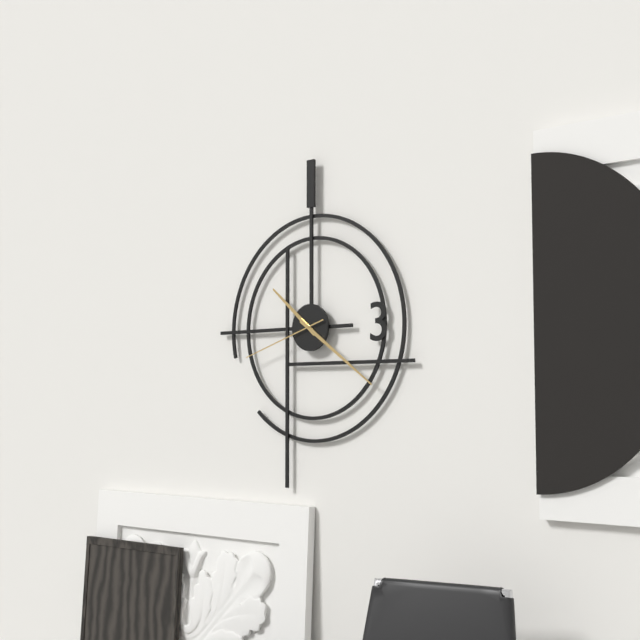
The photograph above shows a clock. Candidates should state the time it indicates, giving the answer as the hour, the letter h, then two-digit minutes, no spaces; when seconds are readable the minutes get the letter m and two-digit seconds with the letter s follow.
10h21m42s
